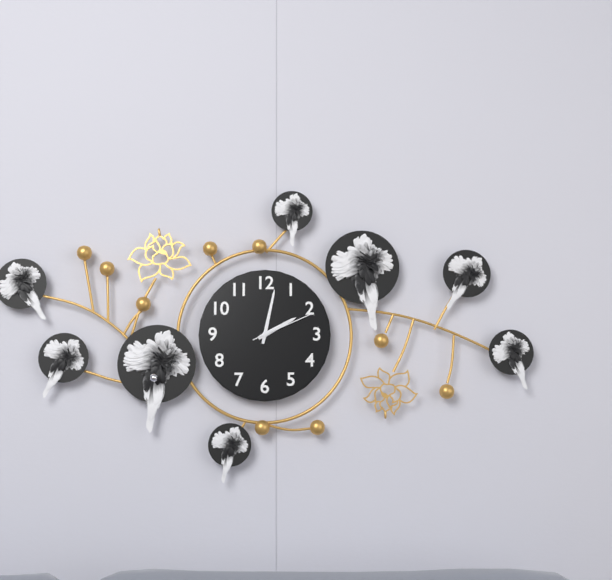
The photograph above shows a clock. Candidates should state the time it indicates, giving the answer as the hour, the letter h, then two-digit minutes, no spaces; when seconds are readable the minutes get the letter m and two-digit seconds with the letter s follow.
2h02m11s
